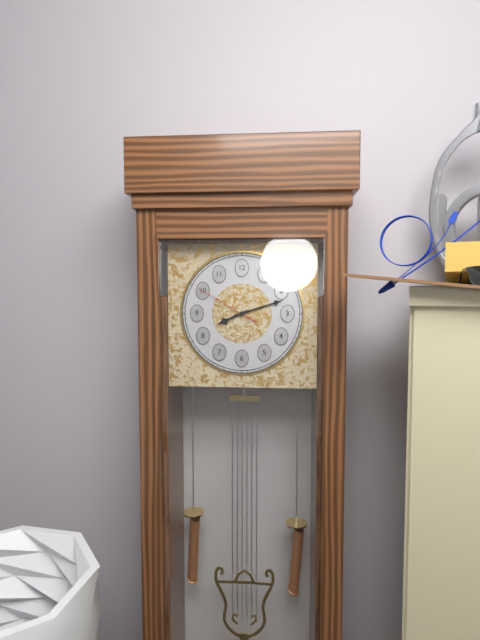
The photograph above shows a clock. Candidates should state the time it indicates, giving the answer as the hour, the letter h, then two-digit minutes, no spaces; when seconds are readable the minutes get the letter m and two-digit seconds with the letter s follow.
8h12m50s
